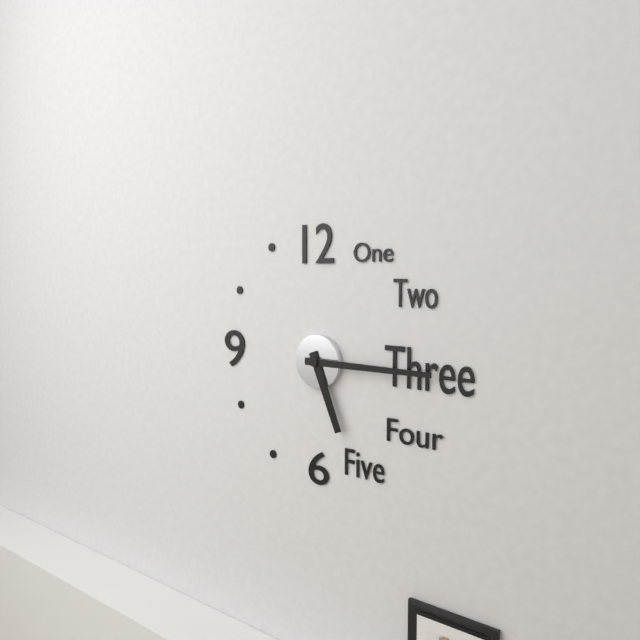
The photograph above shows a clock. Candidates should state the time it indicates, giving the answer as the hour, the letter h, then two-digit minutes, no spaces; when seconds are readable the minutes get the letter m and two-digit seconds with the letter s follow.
5h15
